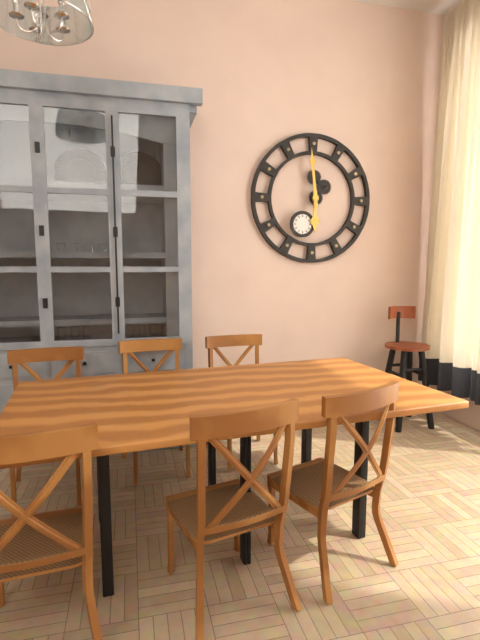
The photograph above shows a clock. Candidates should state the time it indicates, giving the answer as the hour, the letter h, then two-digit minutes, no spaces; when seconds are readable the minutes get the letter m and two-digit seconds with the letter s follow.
5h59
